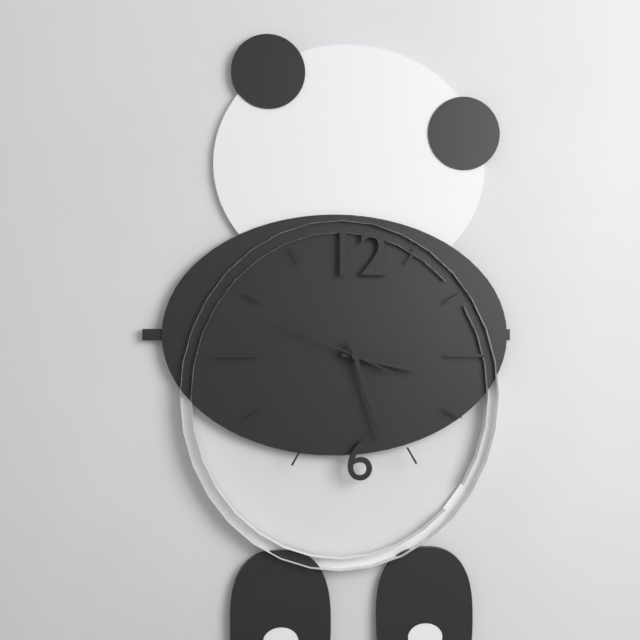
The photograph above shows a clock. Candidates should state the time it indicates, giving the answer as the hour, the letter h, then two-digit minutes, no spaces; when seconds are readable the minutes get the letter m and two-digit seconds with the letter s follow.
3h27m49s
